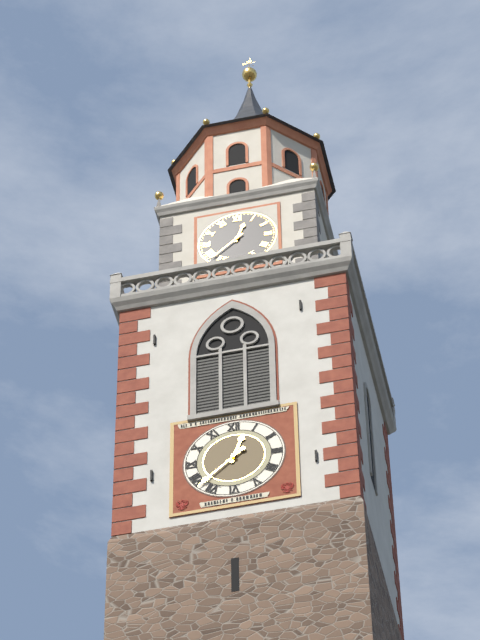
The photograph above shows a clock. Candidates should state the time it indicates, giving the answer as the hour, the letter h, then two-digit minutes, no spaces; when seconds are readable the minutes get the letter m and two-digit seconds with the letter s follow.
12h38
